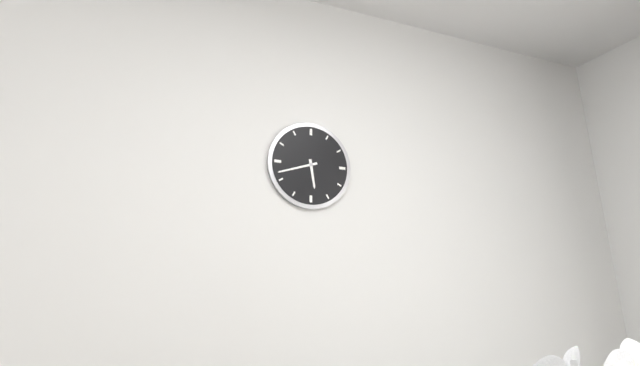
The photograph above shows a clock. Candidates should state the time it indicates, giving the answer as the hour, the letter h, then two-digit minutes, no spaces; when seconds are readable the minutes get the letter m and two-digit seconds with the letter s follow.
5h42
